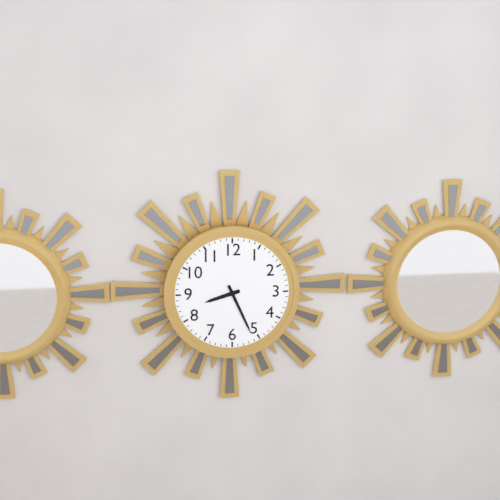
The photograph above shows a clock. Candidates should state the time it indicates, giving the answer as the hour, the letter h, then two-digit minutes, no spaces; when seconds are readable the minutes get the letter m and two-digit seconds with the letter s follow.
8h26
